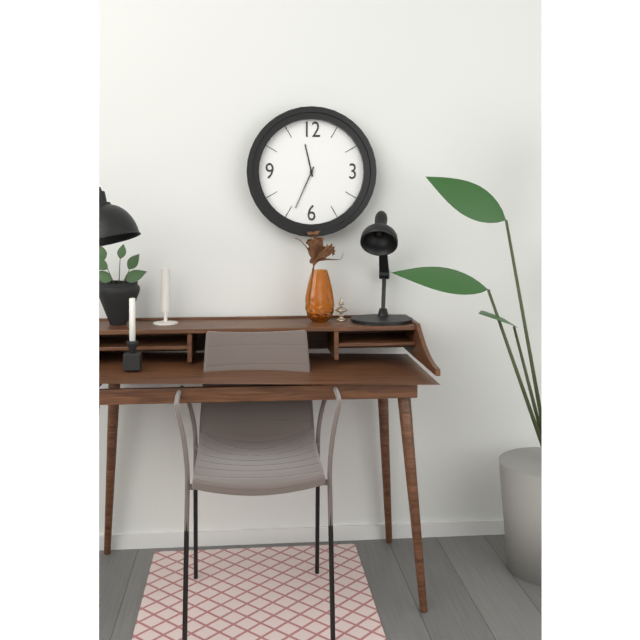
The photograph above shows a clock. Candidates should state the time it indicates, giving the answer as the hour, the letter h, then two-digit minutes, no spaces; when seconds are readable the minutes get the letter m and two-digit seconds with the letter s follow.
11h34
